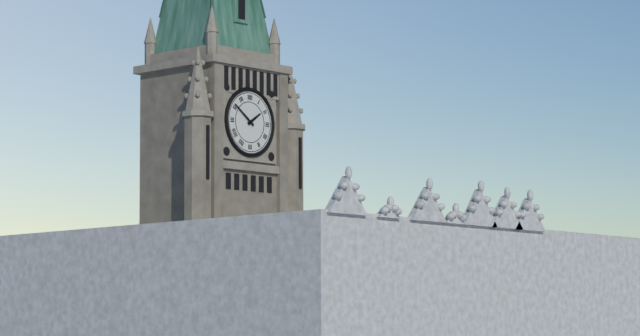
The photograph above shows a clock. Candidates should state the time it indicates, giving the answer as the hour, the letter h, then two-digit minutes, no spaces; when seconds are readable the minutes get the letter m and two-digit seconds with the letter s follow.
1h51
